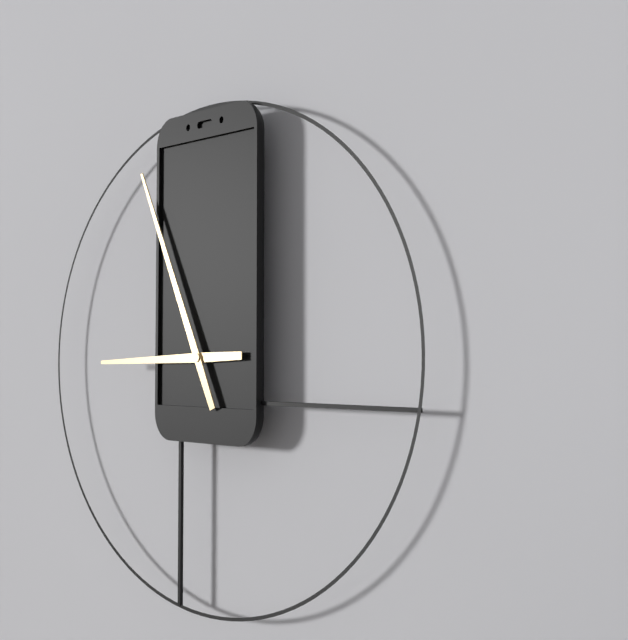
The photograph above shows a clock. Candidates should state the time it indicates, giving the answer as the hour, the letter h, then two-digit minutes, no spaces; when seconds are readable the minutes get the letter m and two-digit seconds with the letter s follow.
8h56
